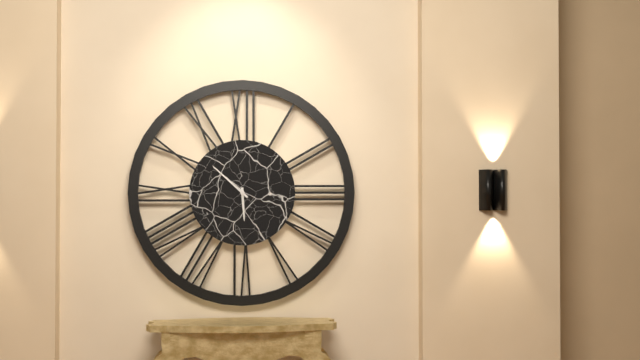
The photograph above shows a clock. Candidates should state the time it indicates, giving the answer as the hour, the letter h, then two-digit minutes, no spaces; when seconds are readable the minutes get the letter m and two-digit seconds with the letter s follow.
5h52
